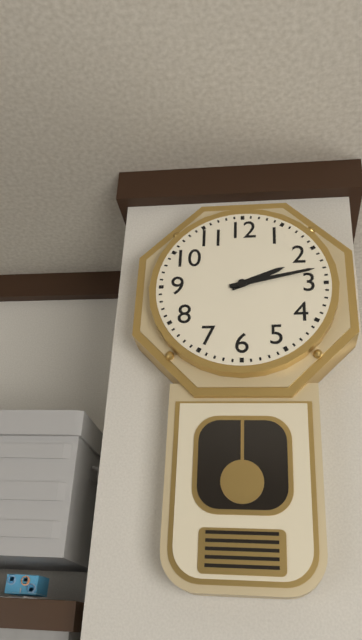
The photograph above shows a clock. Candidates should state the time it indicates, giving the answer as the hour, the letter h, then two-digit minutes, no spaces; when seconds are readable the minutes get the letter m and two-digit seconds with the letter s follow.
2h13
